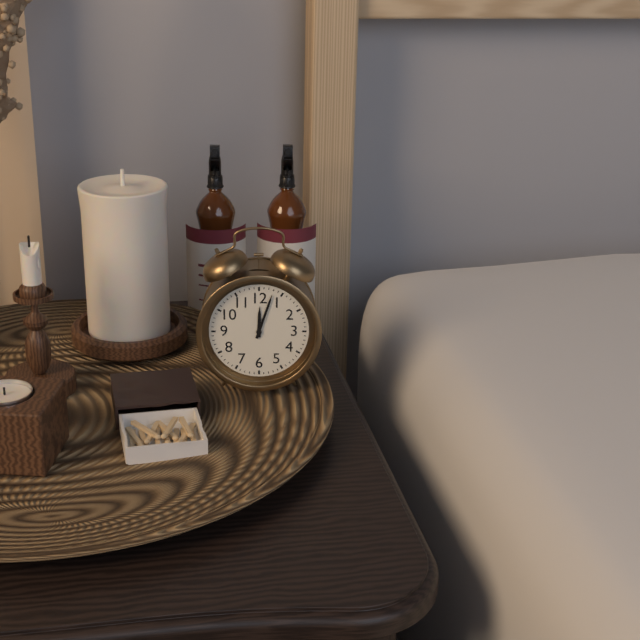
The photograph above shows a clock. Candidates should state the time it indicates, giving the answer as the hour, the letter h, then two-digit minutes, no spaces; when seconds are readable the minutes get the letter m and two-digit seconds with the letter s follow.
12h03
